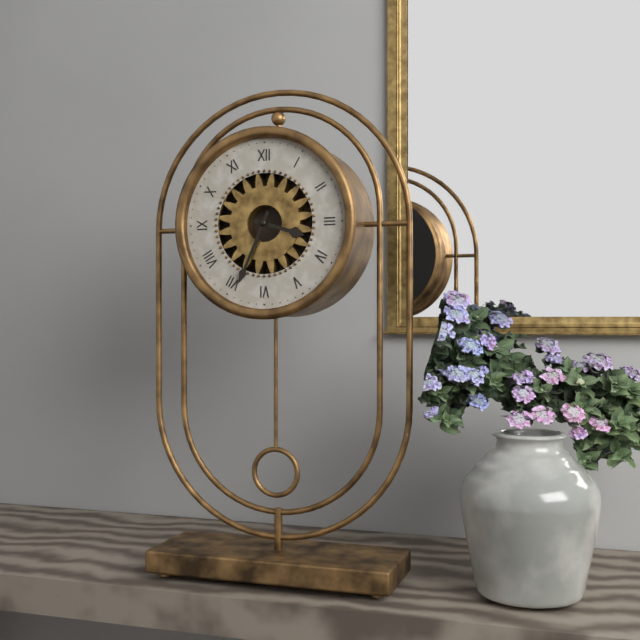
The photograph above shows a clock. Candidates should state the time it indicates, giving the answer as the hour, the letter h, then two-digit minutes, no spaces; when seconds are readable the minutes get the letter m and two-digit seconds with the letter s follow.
3h34
